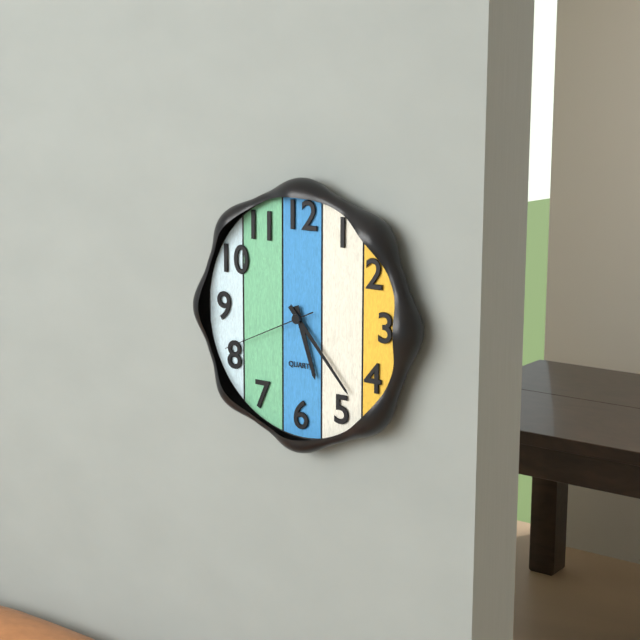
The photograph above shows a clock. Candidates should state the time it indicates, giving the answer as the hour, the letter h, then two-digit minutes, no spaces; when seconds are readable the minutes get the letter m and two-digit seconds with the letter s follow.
5h23m41s
